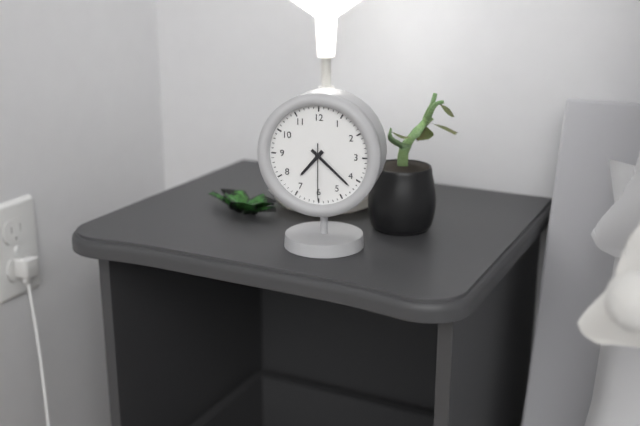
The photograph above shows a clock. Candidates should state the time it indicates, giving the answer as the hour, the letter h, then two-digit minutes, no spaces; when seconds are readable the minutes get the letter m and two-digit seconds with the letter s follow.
7h22m30s
